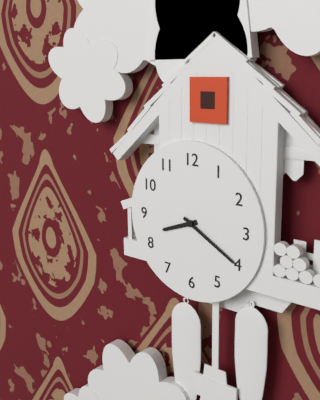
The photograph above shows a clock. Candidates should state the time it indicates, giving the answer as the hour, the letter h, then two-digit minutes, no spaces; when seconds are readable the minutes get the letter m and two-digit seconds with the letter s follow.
8h20
